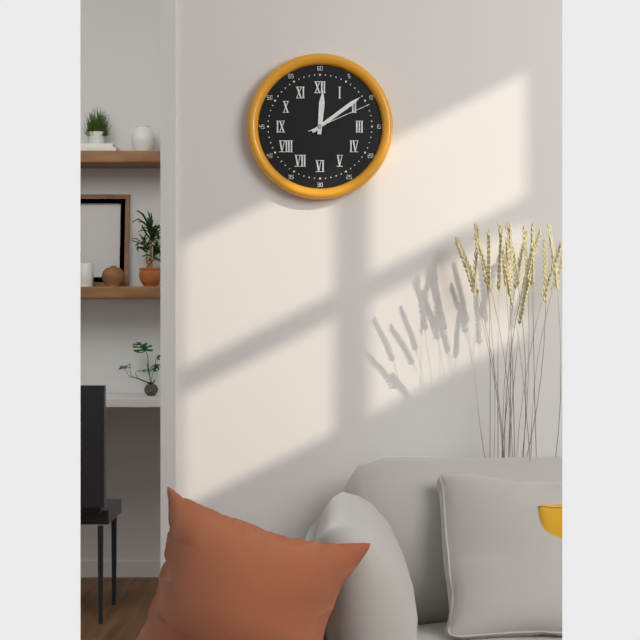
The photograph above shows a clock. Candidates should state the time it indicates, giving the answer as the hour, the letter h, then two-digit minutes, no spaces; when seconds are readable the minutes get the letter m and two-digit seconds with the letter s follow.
12h09m11s
